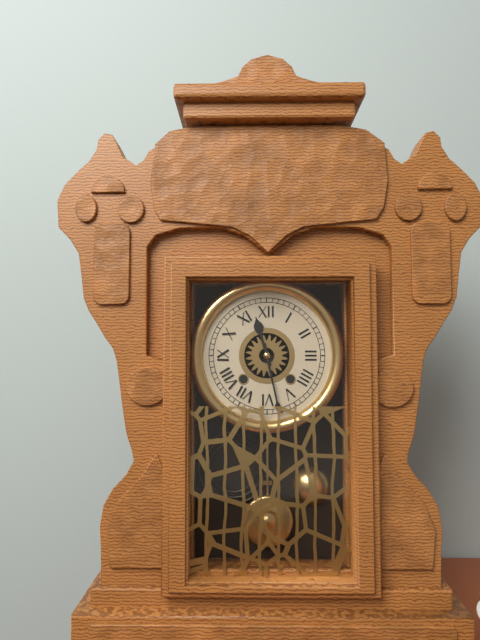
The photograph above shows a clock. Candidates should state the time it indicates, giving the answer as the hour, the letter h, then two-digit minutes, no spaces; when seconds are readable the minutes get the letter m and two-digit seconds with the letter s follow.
11h28
